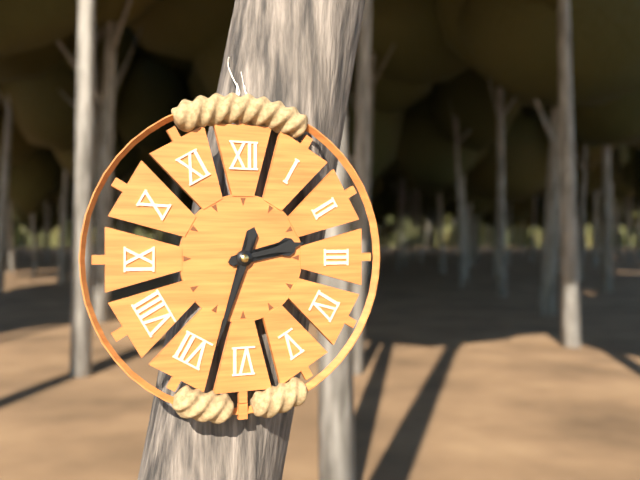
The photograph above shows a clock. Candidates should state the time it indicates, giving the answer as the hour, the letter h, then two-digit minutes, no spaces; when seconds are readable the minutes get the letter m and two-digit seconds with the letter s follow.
2h33
